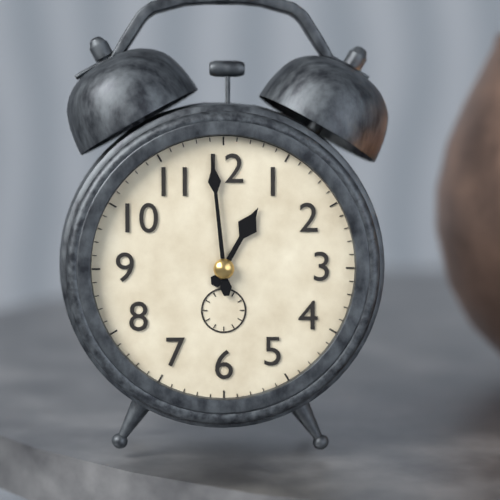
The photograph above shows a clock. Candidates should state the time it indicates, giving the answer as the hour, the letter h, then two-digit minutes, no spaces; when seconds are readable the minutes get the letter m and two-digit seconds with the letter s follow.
12h59
